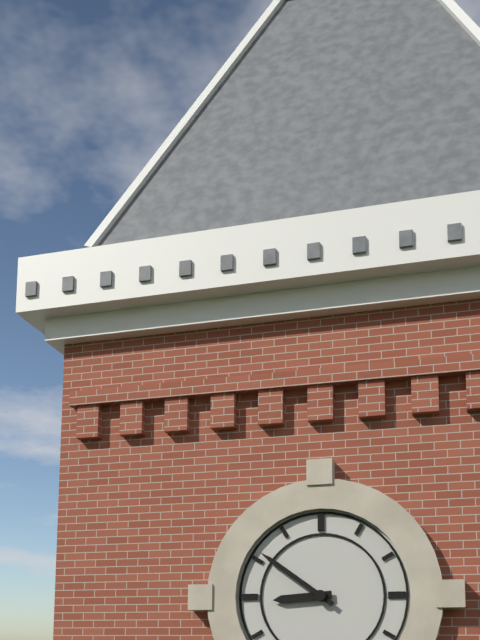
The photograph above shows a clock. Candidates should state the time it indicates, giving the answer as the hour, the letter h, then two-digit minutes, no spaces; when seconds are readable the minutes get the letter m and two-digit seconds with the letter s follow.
8h51
